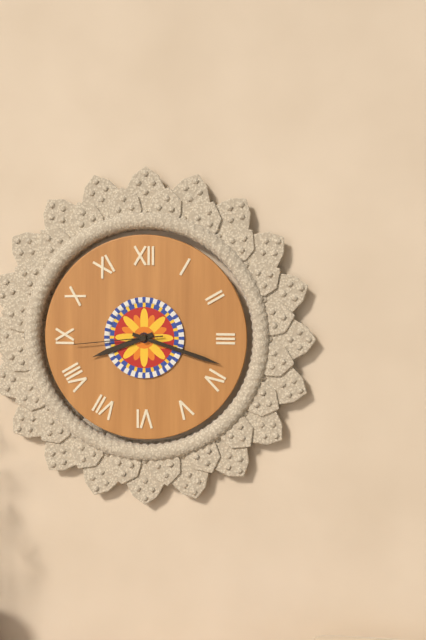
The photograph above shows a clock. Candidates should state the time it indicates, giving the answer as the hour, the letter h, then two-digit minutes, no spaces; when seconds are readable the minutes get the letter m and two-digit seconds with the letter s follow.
8h18m44s
